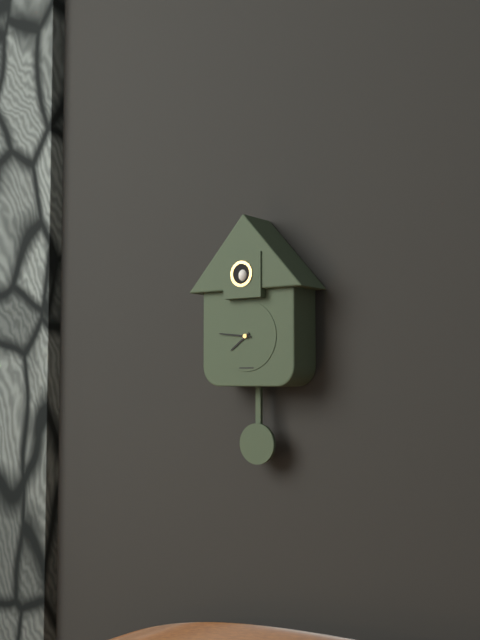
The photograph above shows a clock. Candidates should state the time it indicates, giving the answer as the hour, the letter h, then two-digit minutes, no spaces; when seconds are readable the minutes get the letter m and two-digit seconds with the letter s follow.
7h46
